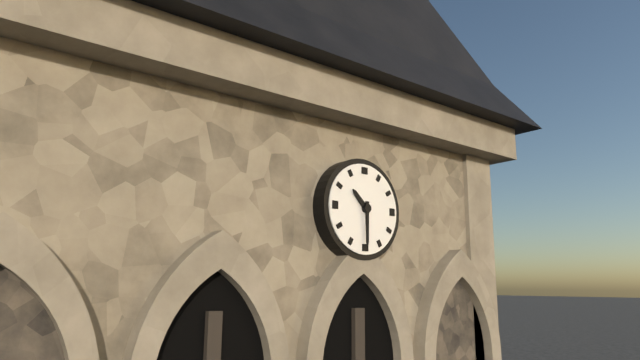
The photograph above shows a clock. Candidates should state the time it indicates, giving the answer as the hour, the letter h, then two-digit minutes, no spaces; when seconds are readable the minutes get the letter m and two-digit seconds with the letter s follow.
10h30
